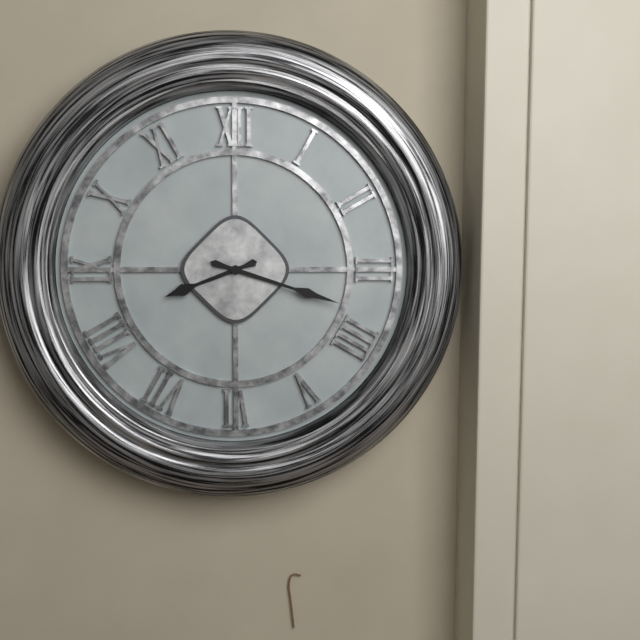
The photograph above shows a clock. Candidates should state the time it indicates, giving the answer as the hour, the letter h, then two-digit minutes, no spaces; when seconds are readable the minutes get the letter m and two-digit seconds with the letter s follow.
8h18
